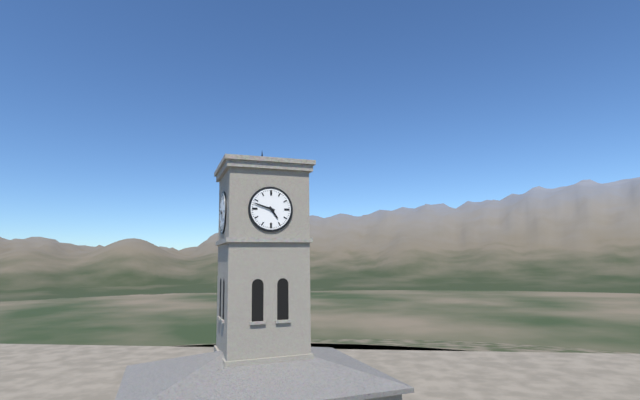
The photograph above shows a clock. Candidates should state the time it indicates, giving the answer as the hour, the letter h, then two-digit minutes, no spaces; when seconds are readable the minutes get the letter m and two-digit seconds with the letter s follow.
4h48
